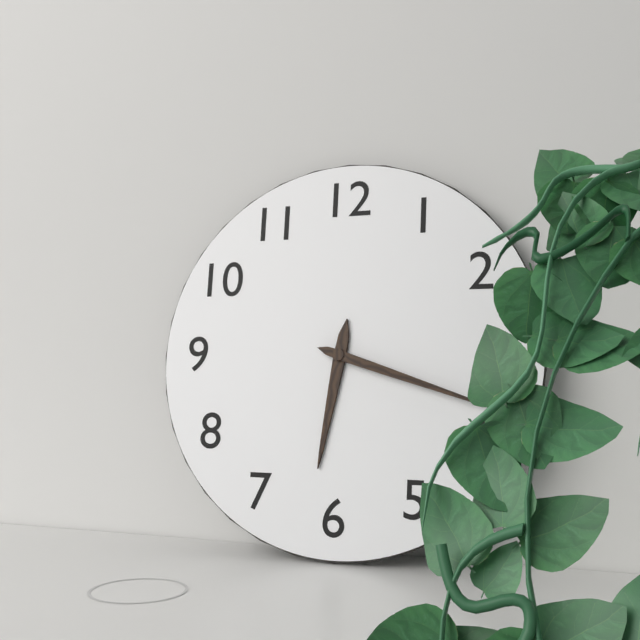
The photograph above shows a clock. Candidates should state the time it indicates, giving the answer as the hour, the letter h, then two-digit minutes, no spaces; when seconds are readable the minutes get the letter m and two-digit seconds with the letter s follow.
6h18
